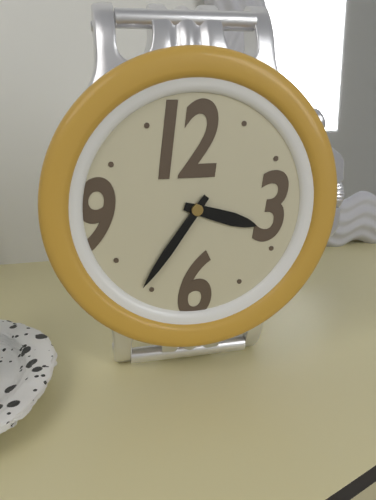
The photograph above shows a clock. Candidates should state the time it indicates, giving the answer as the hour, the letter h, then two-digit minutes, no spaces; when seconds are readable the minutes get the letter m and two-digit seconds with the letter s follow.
3h36
